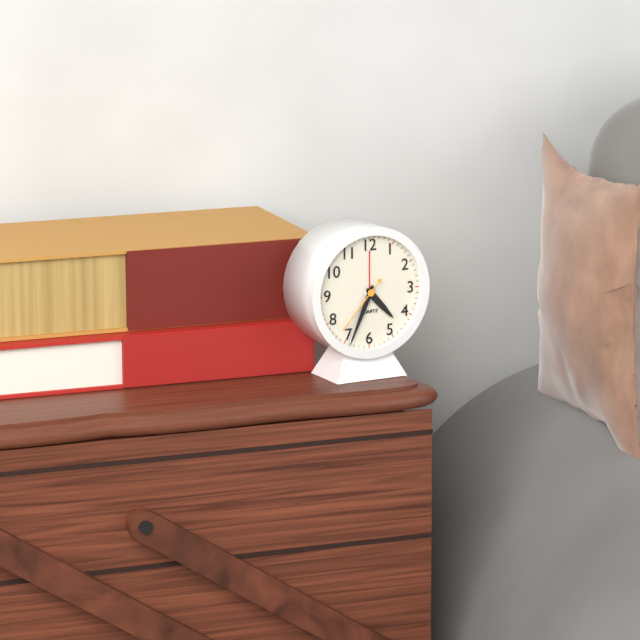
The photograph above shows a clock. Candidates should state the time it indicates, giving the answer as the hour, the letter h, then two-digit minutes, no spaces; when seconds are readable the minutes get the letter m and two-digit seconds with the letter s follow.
4h34m37s
